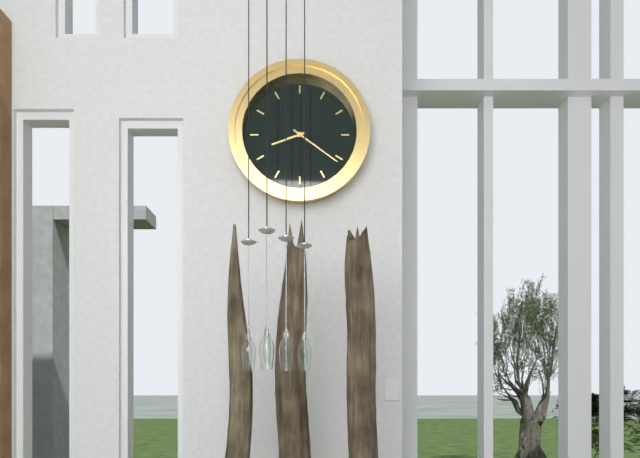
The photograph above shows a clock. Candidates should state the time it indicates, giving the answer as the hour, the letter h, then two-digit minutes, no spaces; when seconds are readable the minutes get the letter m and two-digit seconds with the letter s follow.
8h21
